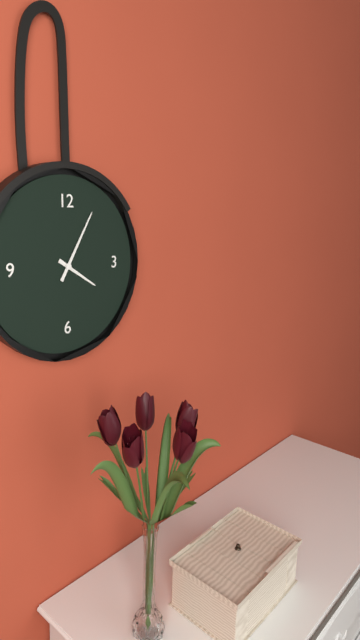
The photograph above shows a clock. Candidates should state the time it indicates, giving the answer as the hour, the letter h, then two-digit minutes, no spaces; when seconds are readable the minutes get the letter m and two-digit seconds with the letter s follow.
4h05
